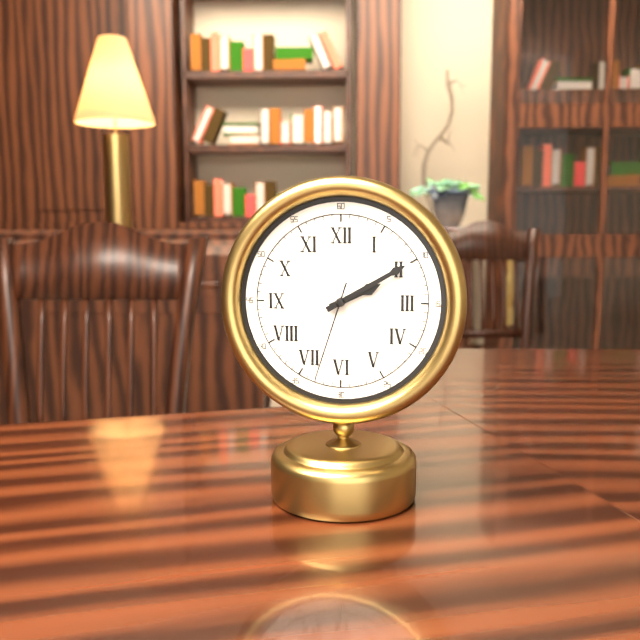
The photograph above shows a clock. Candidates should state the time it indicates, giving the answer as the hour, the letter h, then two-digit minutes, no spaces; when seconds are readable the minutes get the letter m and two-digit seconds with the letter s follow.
2h10m33s
